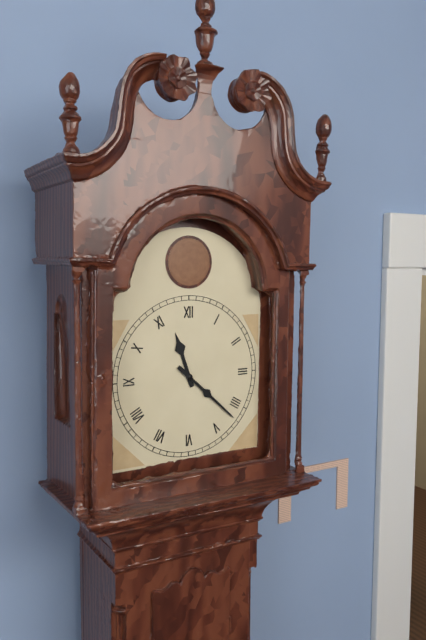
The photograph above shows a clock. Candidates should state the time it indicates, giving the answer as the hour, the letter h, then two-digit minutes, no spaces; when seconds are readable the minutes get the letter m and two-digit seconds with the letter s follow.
11h22
